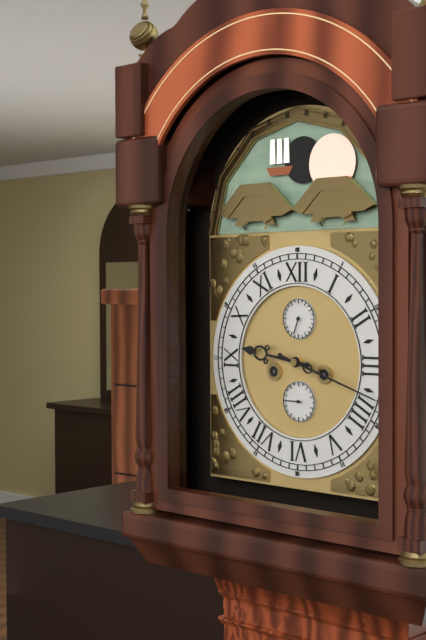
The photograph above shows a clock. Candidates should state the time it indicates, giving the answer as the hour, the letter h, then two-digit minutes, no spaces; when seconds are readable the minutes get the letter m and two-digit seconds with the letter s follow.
9h18
